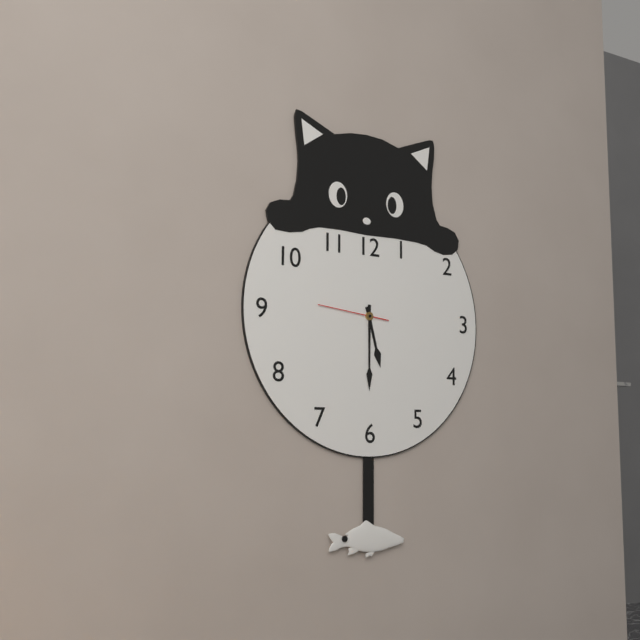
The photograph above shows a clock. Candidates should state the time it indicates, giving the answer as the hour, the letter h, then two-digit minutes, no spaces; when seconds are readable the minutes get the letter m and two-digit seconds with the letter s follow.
5h30m46s
